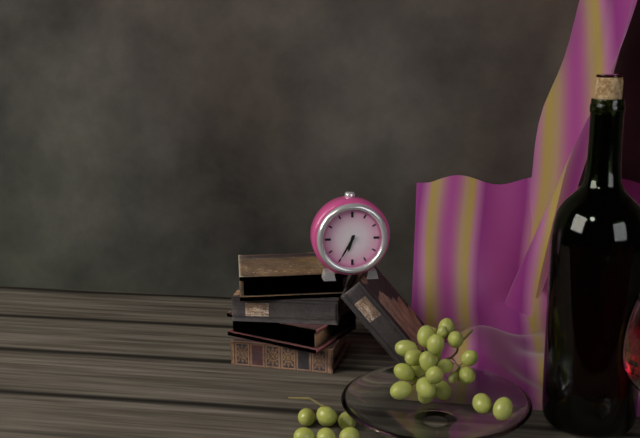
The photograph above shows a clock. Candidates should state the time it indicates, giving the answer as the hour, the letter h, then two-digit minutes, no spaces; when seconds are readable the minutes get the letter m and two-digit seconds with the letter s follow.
6h35
